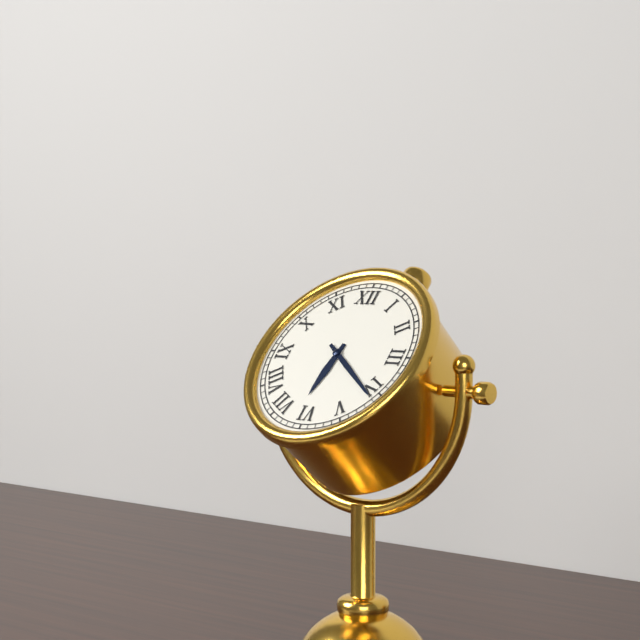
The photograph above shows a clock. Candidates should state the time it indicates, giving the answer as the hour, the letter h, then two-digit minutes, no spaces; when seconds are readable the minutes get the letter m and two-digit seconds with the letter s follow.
6h21
